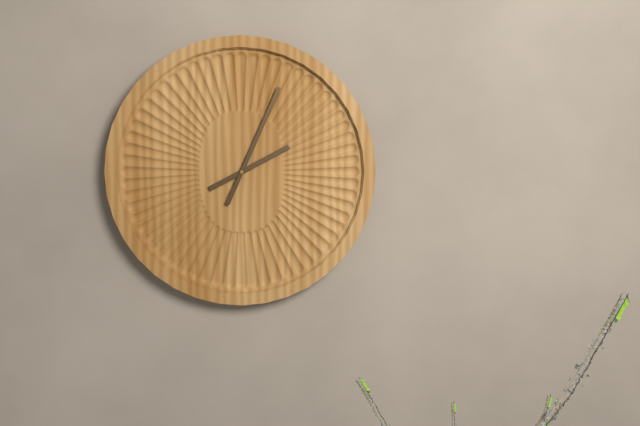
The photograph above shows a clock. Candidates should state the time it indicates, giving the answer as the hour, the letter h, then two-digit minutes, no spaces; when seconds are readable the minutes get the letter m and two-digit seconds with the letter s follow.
2h04
